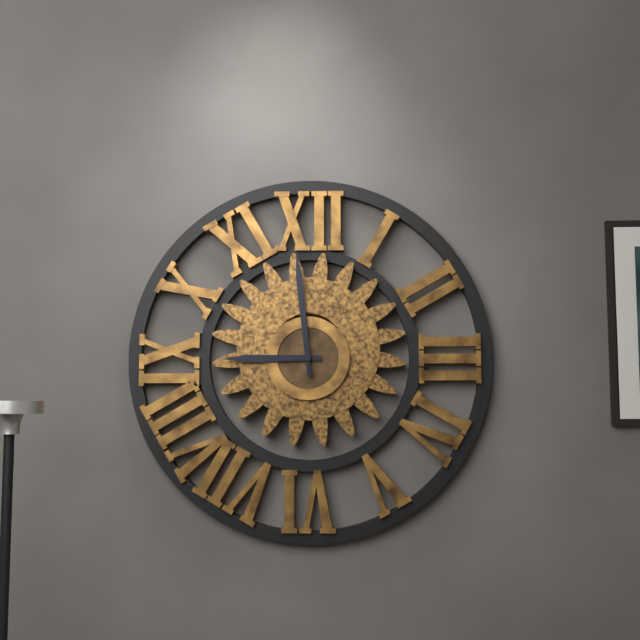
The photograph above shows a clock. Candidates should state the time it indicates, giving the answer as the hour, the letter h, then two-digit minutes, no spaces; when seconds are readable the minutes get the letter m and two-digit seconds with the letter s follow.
8h59
